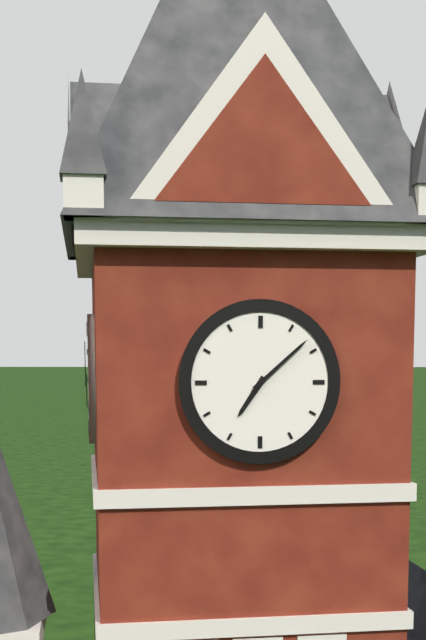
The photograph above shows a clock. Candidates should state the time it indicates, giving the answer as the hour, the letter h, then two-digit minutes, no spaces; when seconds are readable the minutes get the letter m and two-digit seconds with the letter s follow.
7h08
